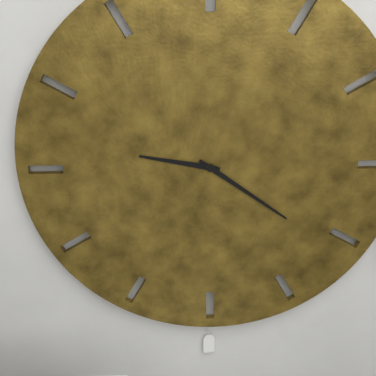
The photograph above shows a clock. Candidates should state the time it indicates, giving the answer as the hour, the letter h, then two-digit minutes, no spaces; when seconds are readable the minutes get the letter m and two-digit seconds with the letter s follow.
9h21
